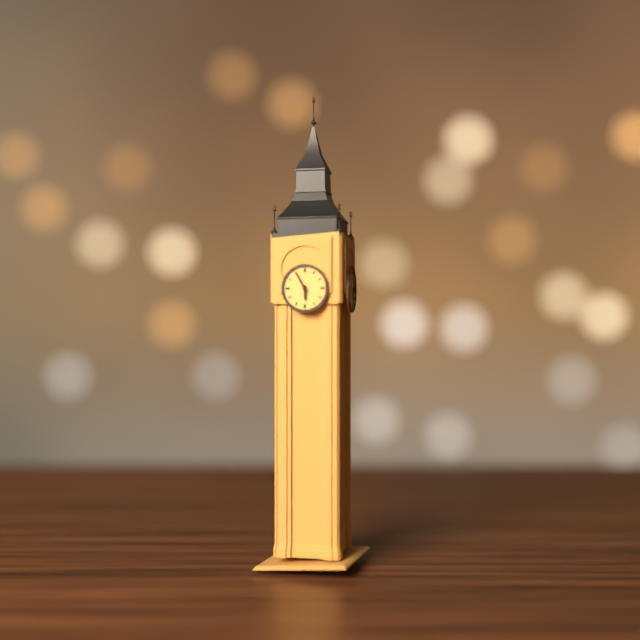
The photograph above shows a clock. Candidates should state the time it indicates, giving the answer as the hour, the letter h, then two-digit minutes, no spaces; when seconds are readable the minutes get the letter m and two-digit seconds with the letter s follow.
5h55
